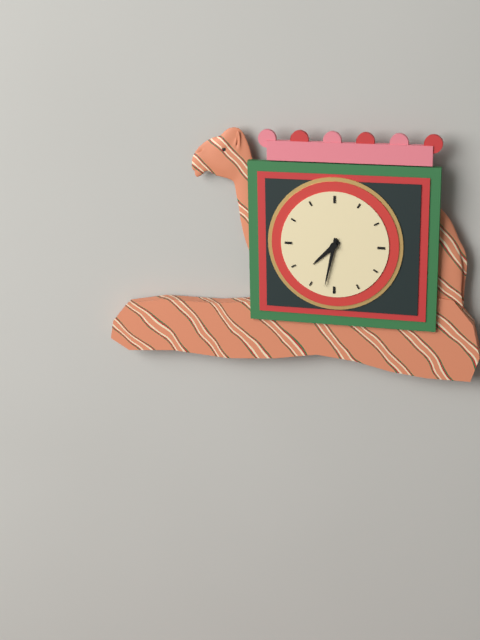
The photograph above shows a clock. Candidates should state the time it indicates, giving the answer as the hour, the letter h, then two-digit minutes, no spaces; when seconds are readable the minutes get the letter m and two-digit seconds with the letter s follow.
7h32
